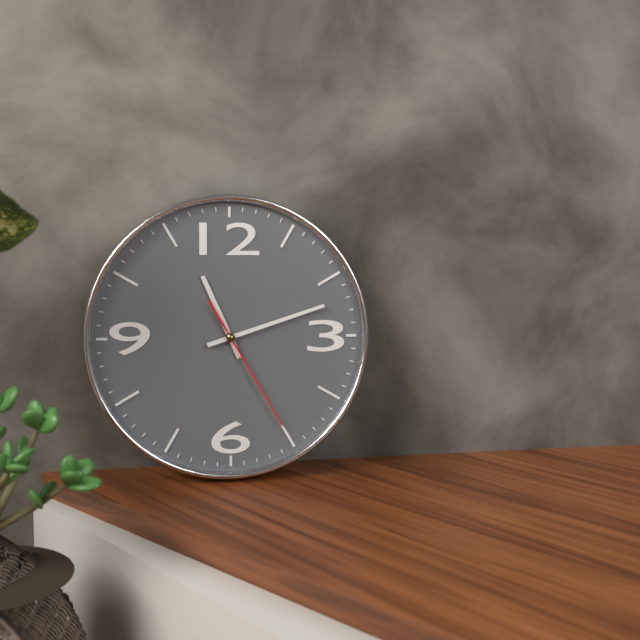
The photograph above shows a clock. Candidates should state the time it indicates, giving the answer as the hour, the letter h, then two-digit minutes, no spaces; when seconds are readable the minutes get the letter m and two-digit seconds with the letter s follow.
11h12m25s
